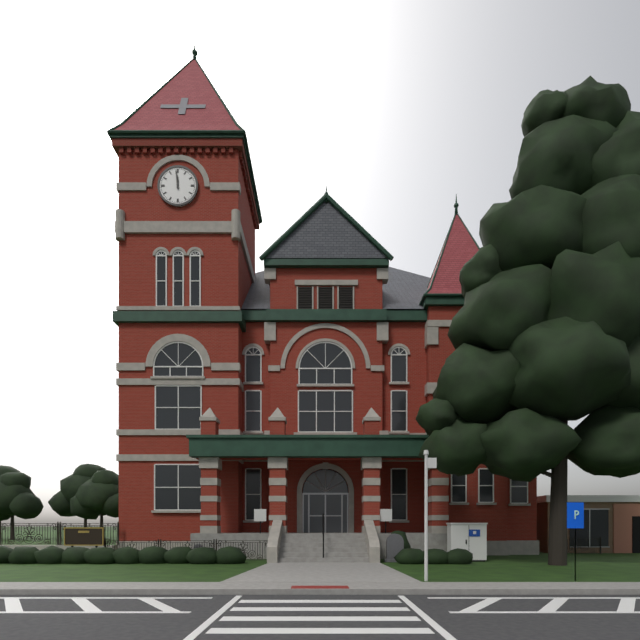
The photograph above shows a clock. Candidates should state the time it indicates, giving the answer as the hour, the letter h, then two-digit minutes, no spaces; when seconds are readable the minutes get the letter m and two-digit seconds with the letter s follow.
11h59
